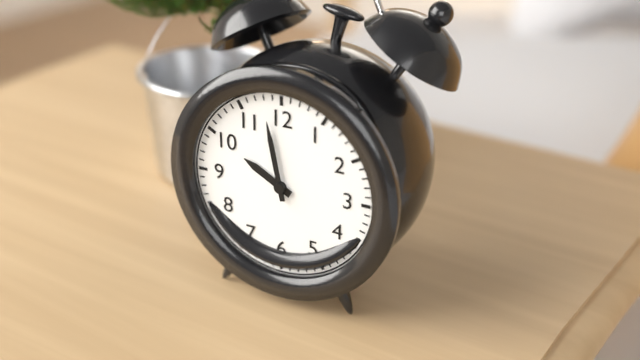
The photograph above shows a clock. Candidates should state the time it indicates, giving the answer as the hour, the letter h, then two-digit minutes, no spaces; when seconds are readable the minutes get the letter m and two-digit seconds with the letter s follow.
9h58
